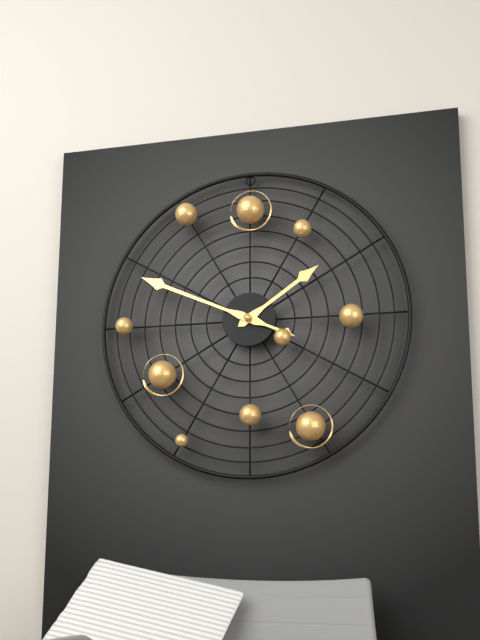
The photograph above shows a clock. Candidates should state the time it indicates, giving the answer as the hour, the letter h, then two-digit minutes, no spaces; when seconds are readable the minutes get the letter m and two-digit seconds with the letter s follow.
1h49
